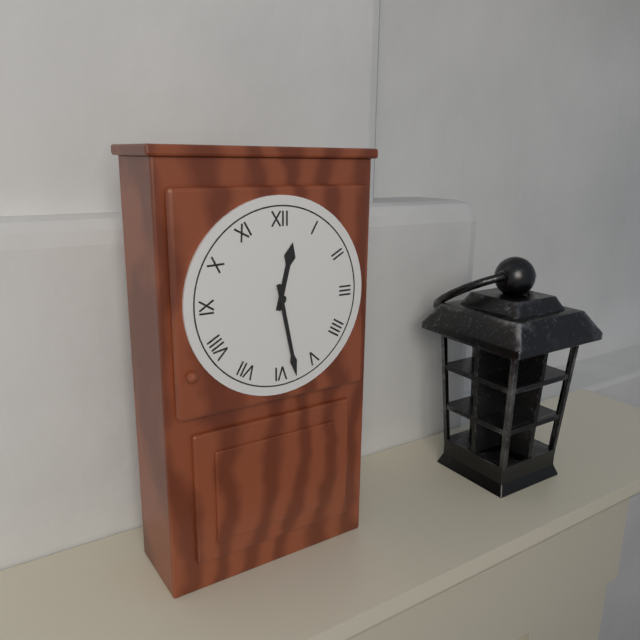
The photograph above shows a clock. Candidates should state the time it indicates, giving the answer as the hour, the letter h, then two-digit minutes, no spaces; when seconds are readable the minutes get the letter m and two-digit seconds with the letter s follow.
12h28
